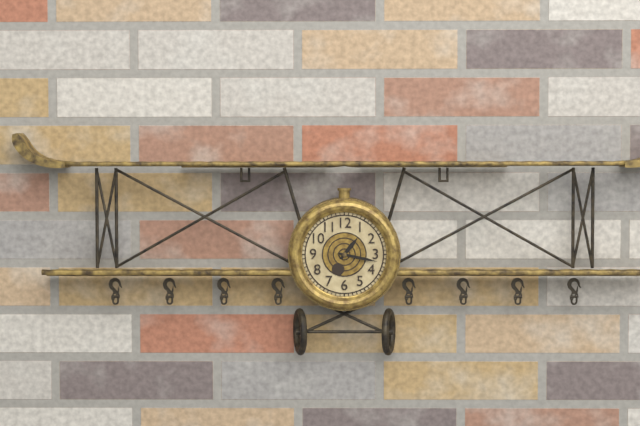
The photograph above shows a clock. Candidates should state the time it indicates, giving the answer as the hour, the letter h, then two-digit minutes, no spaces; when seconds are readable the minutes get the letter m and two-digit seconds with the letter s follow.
1h17
